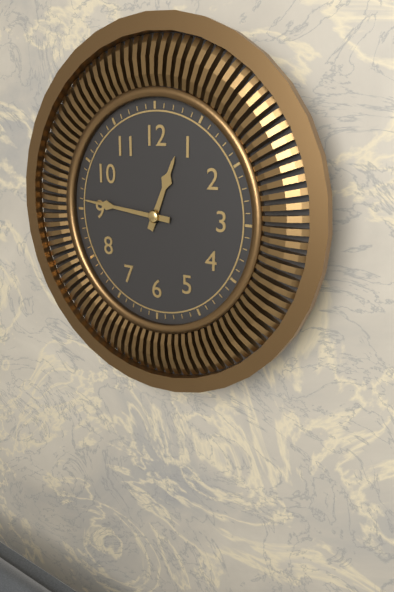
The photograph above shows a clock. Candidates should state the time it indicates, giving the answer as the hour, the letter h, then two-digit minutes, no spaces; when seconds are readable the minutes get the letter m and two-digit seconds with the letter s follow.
12h46
